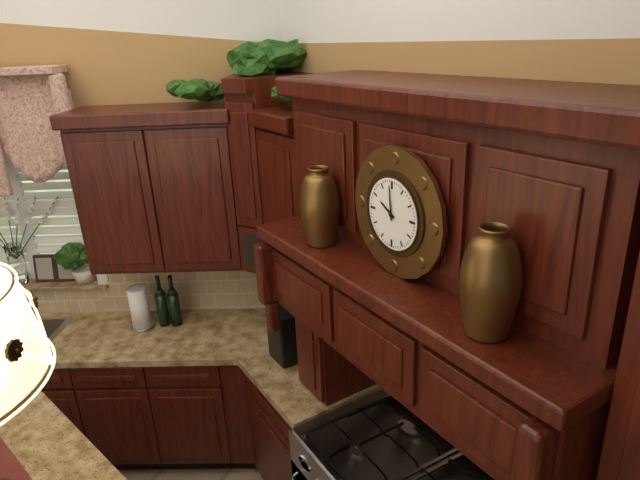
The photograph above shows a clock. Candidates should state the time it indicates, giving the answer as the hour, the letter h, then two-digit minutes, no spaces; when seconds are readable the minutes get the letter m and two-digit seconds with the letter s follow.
9h59
